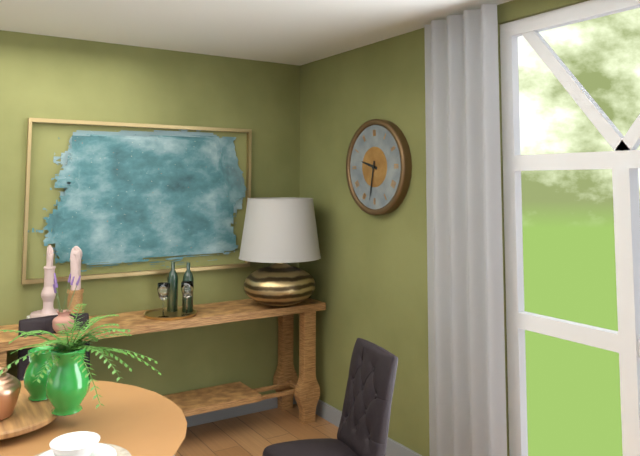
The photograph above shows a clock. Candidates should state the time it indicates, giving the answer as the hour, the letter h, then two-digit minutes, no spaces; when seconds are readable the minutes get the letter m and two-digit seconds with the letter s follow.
9h32
